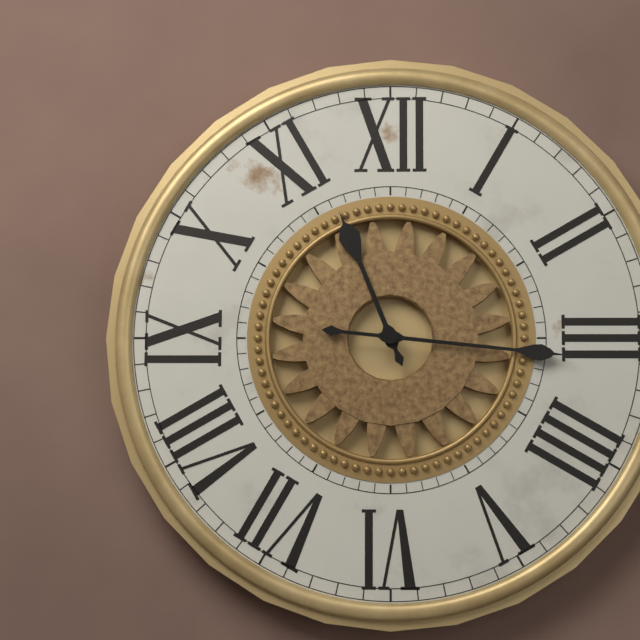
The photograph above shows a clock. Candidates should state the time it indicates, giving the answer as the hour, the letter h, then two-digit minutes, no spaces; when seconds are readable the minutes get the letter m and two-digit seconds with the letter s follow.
11h16
